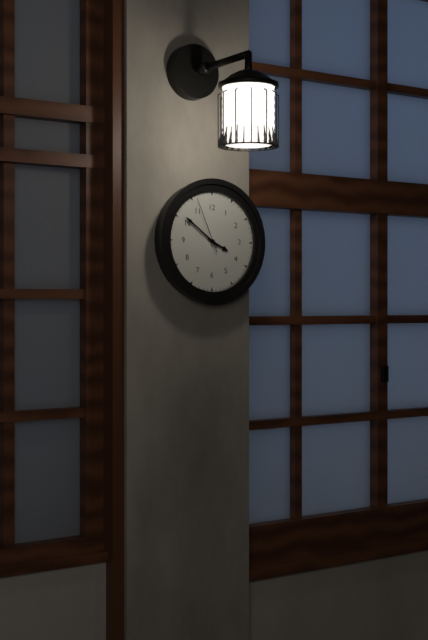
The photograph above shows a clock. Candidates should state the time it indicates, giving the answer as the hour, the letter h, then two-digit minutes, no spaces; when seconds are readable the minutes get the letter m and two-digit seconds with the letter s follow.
3h51m56s
